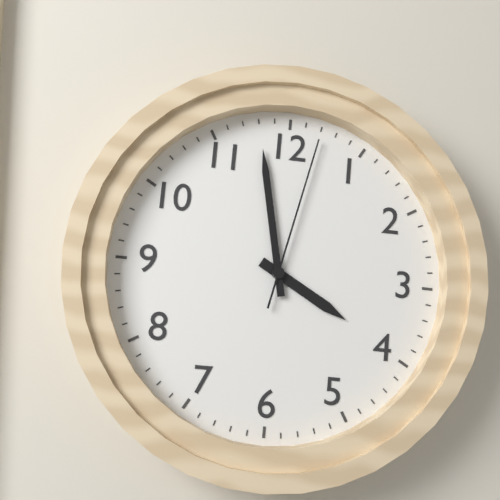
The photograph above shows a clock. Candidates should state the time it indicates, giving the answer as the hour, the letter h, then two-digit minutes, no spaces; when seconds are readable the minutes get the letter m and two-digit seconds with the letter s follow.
3h58m02s
